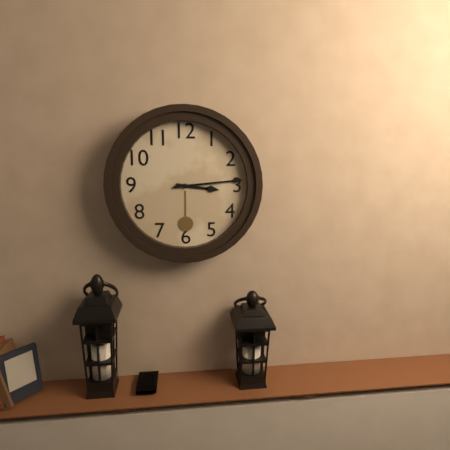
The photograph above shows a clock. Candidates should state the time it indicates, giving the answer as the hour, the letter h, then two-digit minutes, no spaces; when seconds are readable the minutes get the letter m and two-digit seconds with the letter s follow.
3h14
